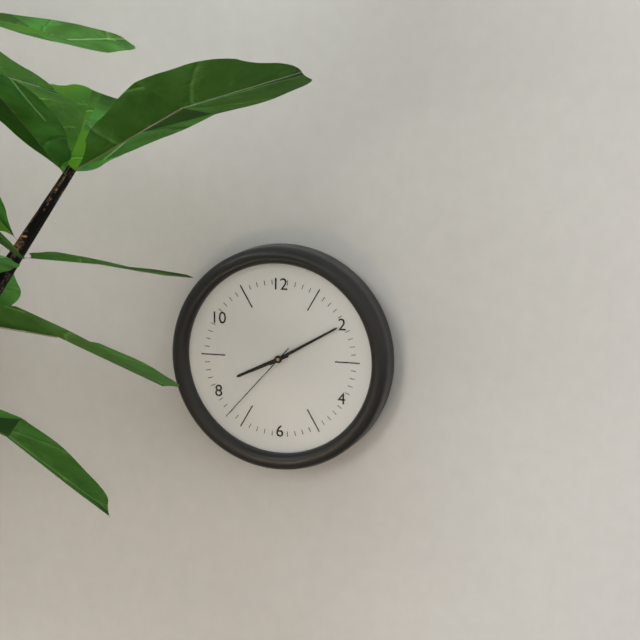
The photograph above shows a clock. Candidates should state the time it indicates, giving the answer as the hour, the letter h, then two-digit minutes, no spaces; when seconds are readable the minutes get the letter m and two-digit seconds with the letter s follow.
8h10m37s
